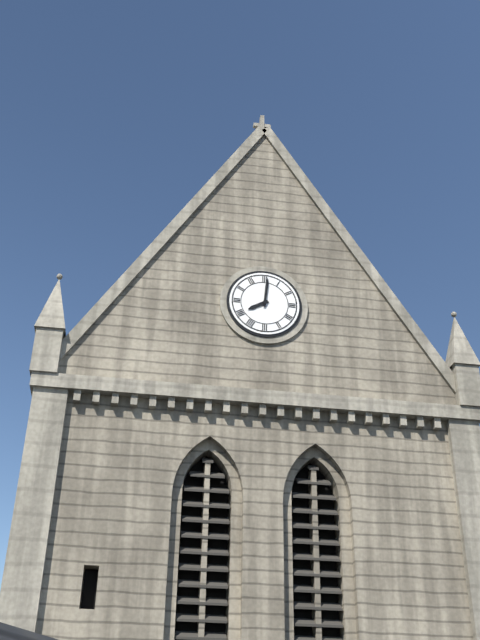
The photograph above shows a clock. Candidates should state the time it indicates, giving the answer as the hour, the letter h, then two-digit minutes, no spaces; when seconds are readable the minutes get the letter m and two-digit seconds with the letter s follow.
8h01
